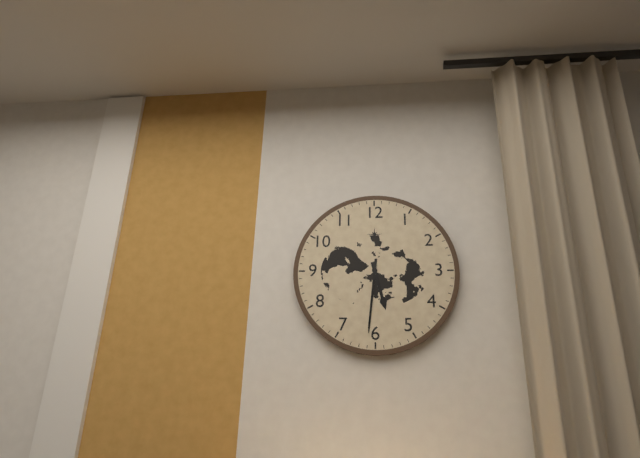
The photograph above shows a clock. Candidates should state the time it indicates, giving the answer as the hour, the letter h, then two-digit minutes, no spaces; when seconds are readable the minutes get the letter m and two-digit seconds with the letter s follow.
5h31
